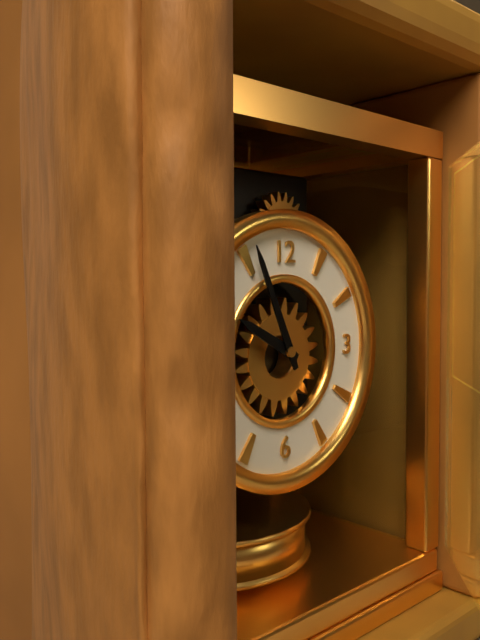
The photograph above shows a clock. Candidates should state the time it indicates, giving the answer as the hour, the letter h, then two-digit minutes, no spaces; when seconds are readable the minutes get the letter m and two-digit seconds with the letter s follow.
9h56
